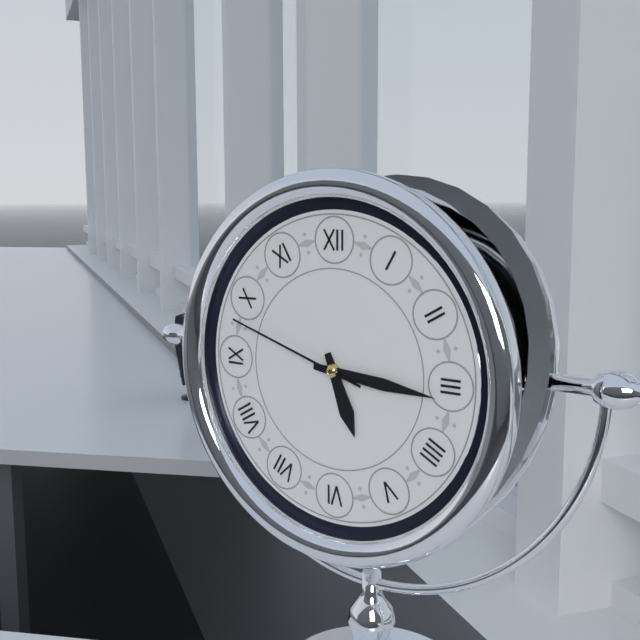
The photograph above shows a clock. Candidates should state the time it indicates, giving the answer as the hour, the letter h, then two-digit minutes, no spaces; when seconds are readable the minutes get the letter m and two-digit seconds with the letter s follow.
5h16m48s
